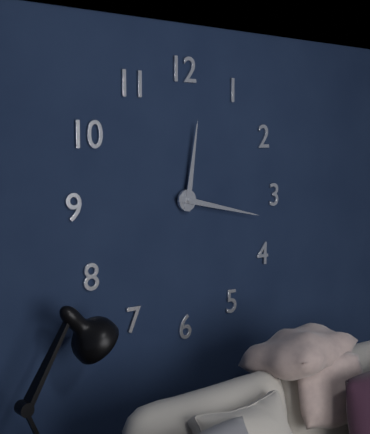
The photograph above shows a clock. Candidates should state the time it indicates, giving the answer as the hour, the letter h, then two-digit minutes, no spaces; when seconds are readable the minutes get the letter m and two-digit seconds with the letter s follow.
12h17
